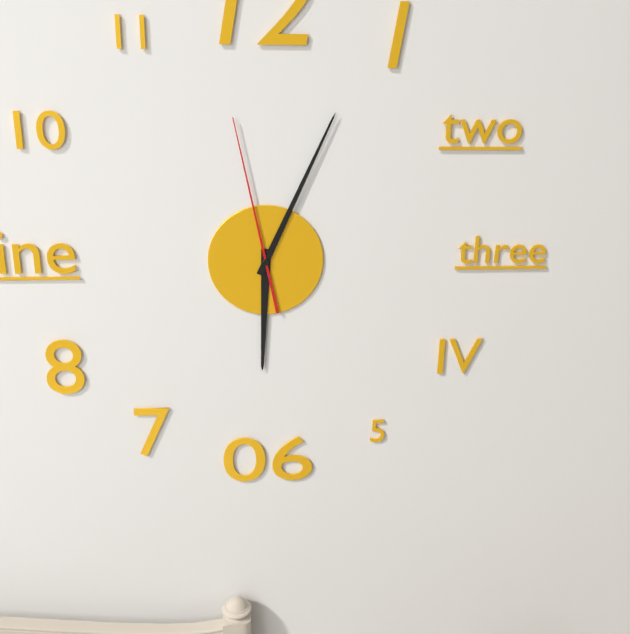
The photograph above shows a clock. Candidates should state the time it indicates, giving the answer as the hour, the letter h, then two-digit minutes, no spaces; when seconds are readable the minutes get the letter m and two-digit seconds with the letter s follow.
6h04m58s
